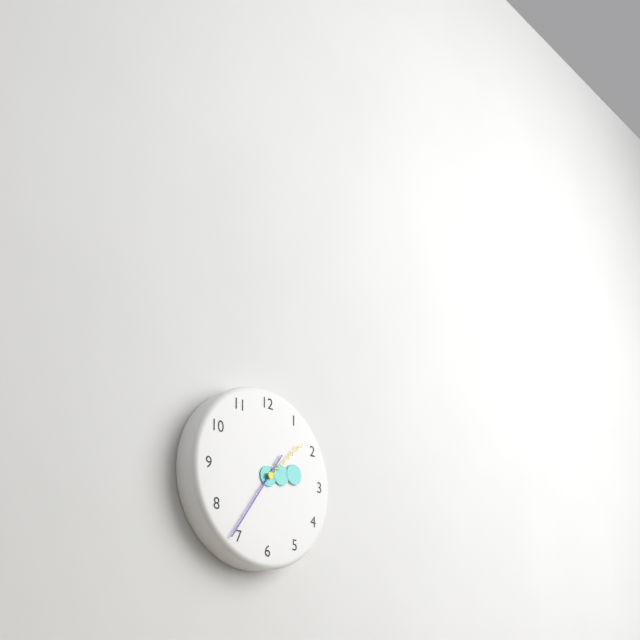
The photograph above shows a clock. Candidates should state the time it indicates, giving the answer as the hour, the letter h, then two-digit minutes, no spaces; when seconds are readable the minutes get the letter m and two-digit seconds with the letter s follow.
2h36m08s
